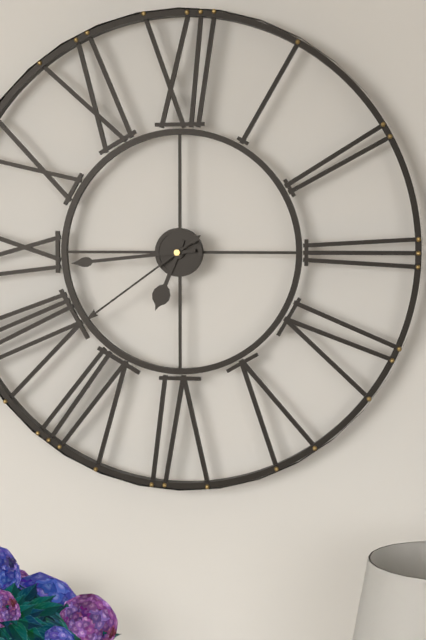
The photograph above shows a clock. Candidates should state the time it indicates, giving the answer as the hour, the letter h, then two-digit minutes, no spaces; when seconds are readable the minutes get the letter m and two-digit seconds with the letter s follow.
6h44m39s
